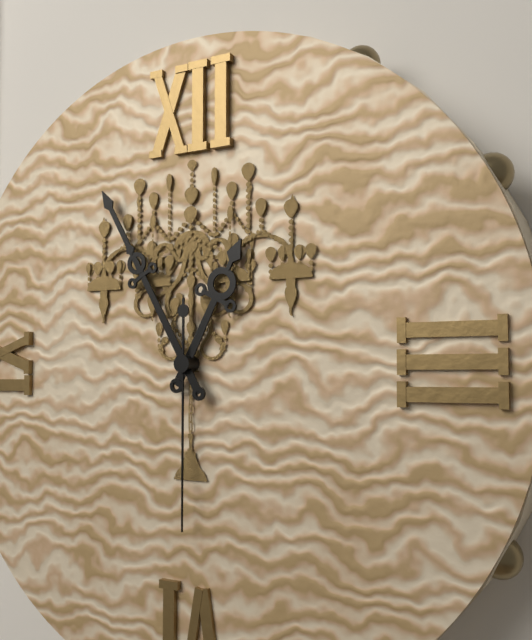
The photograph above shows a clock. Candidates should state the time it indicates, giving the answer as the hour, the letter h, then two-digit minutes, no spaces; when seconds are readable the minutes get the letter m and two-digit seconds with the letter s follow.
12h55m30s
